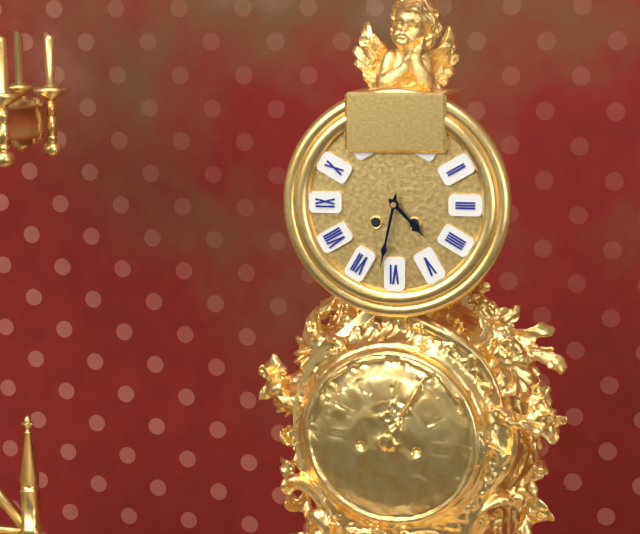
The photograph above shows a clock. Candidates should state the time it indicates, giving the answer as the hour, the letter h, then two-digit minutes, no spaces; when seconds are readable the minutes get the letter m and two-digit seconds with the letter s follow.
4h32
